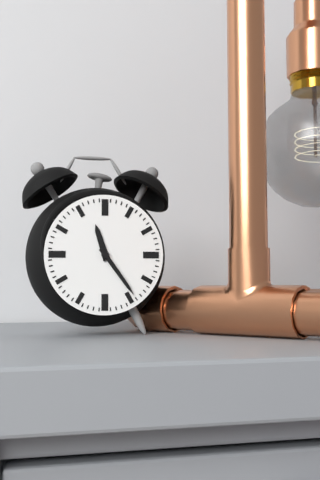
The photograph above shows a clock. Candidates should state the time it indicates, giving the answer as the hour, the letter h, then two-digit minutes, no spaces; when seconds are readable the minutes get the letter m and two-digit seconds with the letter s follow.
11h24
